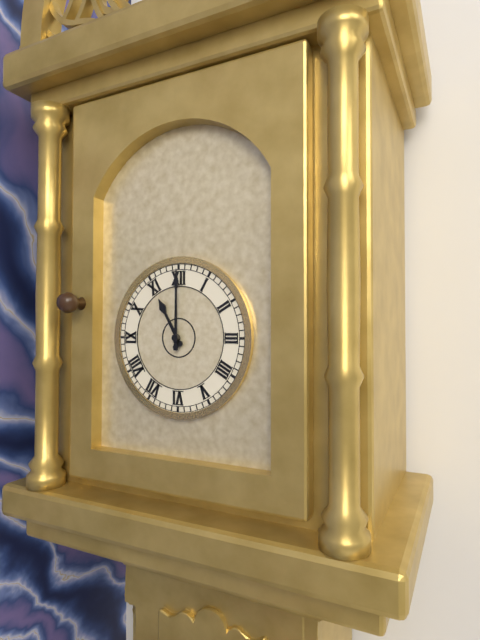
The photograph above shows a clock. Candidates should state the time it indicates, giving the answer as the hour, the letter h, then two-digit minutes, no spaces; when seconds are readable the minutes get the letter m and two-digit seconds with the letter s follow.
11h00
